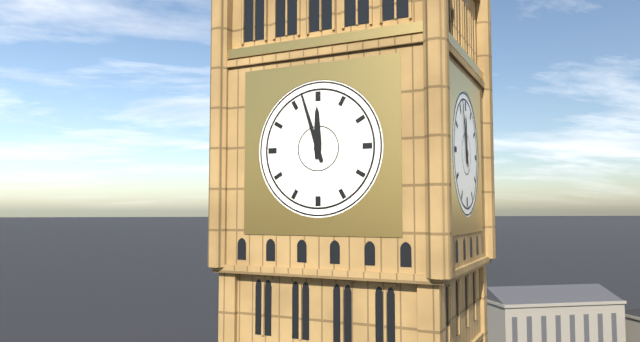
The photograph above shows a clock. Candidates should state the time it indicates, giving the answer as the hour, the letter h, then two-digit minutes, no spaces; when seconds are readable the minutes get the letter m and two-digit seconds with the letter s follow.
11h57
